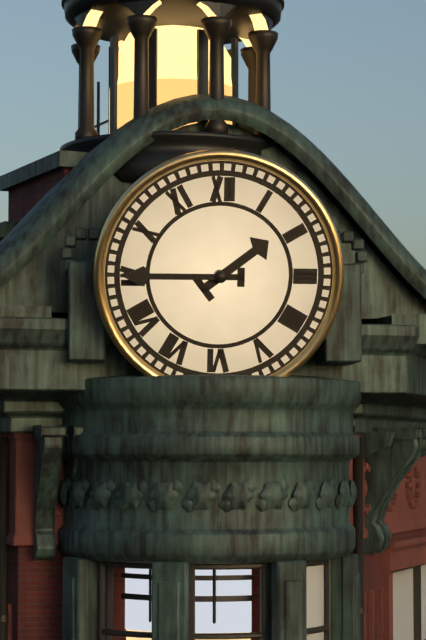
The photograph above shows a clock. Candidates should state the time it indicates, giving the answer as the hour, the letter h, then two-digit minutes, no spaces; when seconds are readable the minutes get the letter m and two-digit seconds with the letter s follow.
1h45
